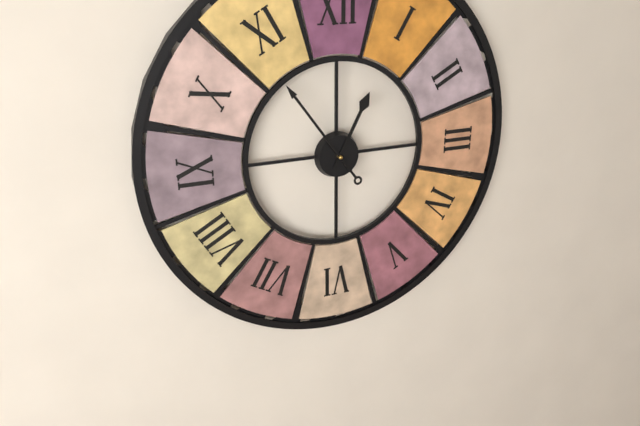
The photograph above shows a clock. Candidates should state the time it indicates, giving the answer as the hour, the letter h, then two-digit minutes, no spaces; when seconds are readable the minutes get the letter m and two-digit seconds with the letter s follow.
12h54
